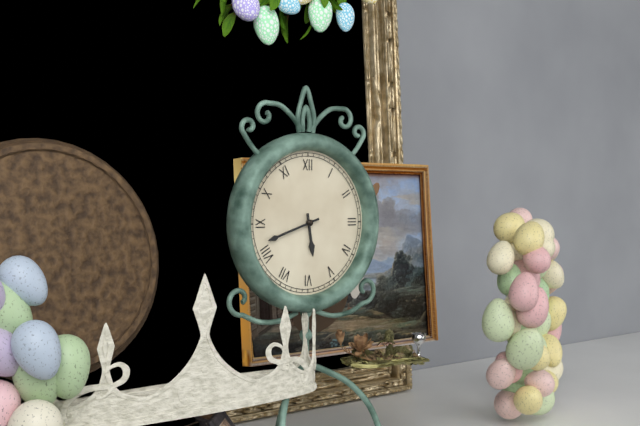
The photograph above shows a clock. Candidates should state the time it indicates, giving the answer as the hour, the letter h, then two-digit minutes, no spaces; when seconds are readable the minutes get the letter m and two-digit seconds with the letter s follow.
5h42
